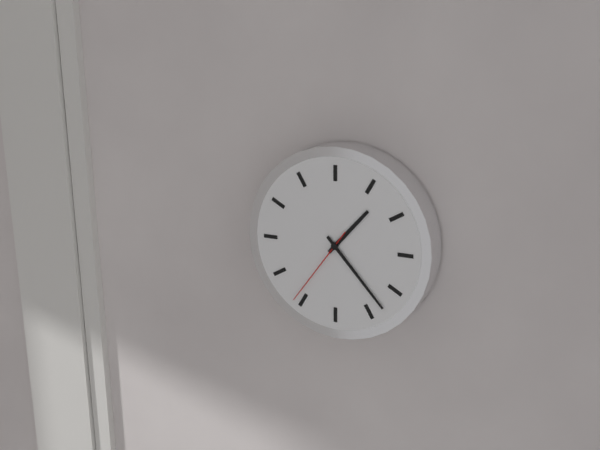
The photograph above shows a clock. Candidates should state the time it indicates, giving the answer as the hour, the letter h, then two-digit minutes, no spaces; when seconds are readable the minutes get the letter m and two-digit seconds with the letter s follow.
1h23m36s
